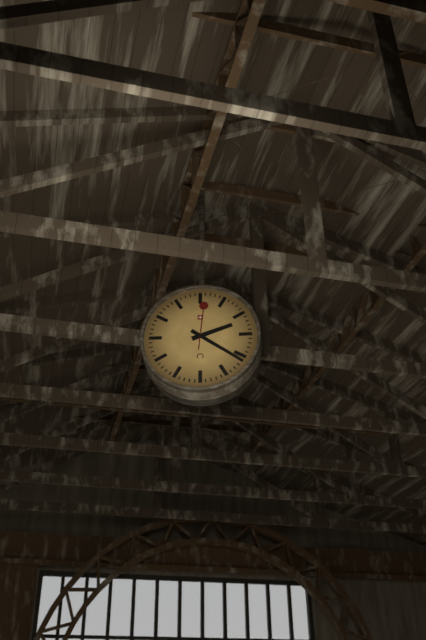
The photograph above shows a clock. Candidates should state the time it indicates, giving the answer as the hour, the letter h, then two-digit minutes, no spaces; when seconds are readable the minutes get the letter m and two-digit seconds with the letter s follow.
2h21
